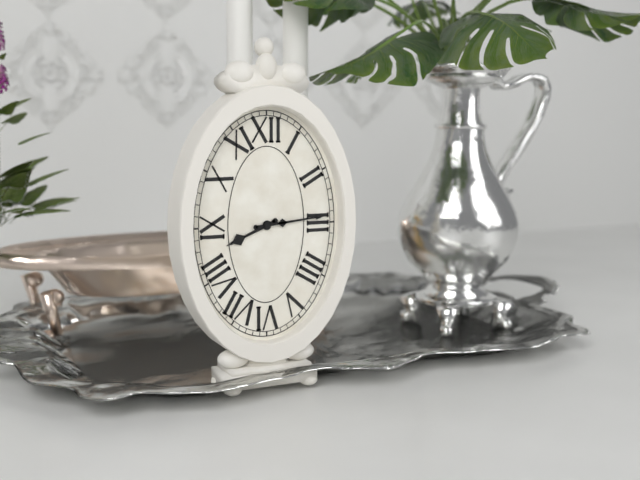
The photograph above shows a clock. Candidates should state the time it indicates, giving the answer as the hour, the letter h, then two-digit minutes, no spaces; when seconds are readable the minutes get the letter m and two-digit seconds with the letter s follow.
8h14
